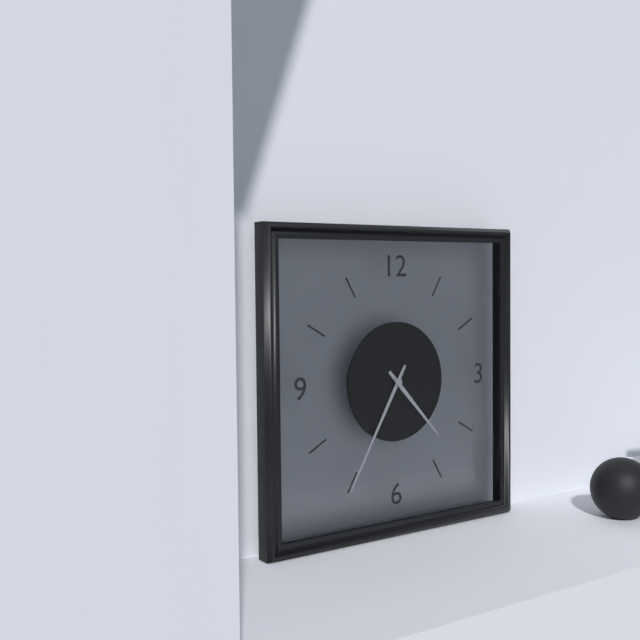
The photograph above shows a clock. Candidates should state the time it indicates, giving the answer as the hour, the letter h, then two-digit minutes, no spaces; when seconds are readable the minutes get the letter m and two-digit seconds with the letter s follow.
4h35
